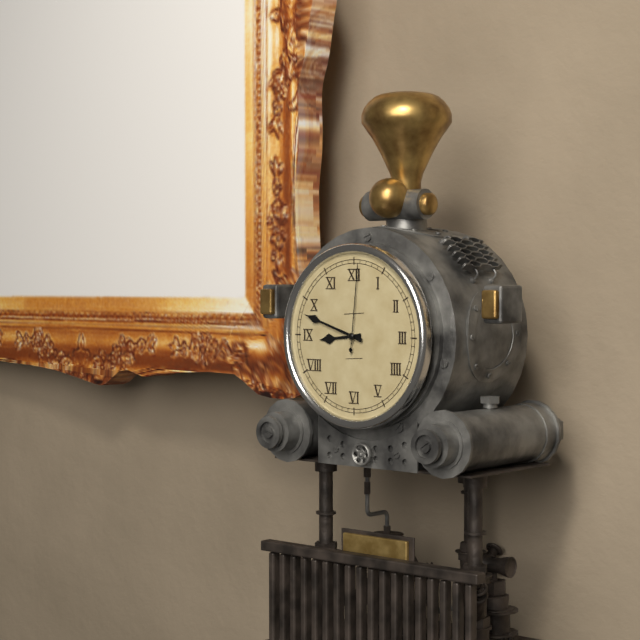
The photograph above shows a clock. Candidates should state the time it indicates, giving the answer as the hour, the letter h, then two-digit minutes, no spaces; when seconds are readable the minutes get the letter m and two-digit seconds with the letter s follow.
8h48m01s
